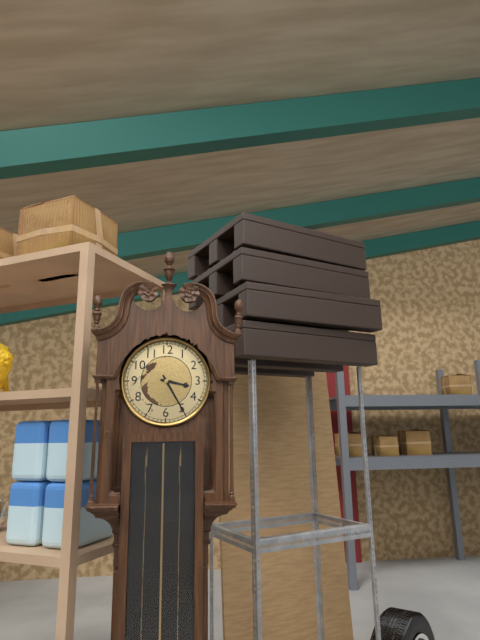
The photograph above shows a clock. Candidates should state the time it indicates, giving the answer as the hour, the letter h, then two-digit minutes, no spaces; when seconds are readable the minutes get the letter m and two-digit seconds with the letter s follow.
3h25
